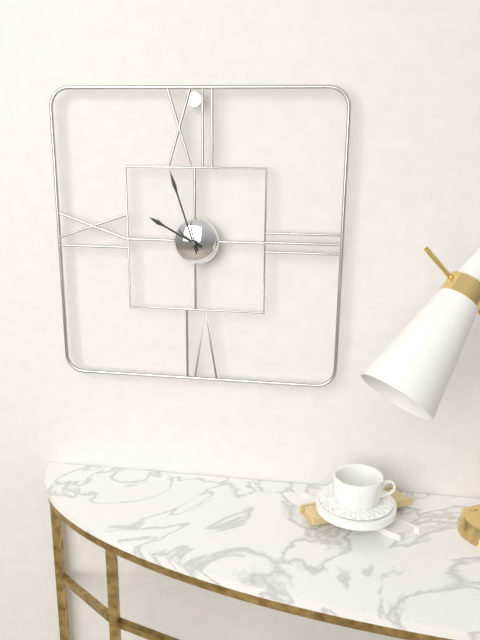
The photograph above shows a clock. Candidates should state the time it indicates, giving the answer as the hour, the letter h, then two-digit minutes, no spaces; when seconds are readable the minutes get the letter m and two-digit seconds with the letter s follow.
9h57
